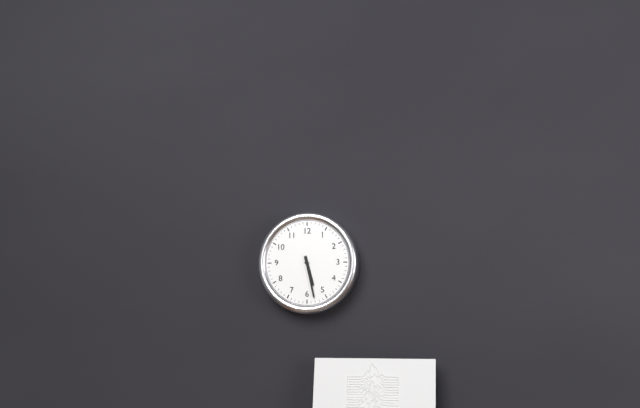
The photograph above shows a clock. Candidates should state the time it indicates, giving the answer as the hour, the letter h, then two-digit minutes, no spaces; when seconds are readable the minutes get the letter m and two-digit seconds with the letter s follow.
5h28
